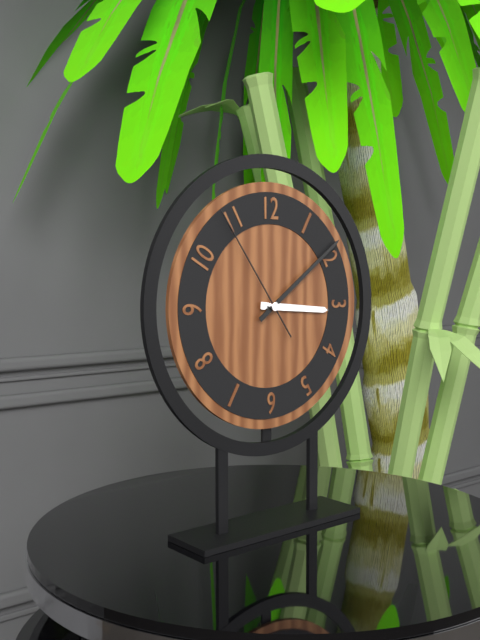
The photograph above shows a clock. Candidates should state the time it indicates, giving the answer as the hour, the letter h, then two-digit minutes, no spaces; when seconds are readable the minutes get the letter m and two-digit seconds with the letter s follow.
3h09m54s
